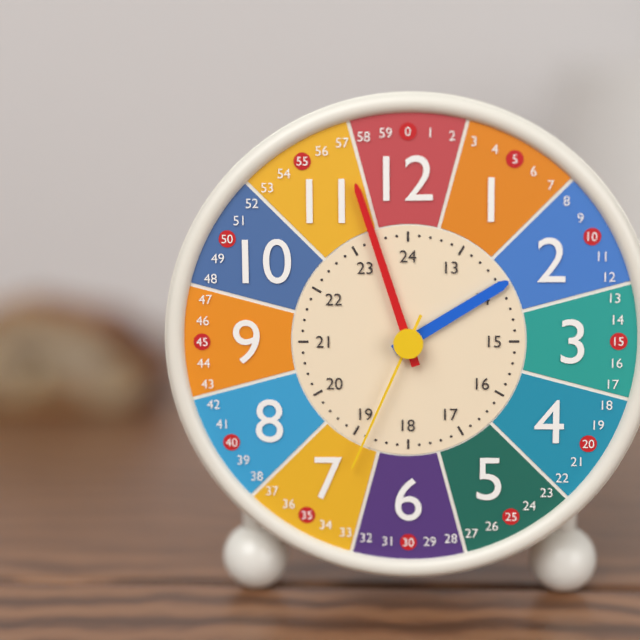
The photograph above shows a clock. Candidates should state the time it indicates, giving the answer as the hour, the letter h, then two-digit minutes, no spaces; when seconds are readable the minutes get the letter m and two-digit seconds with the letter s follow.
1h57m34s
